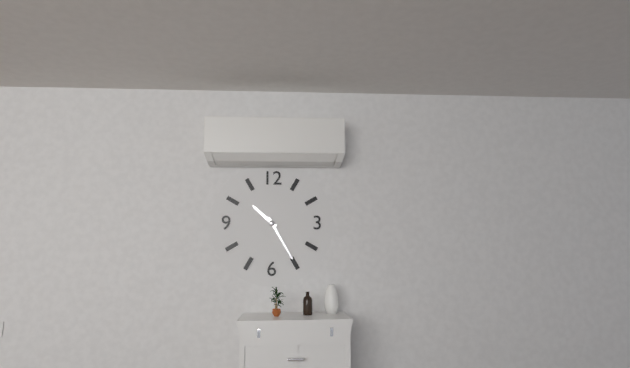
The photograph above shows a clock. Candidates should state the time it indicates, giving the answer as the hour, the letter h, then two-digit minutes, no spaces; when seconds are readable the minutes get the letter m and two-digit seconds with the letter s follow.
10h25
